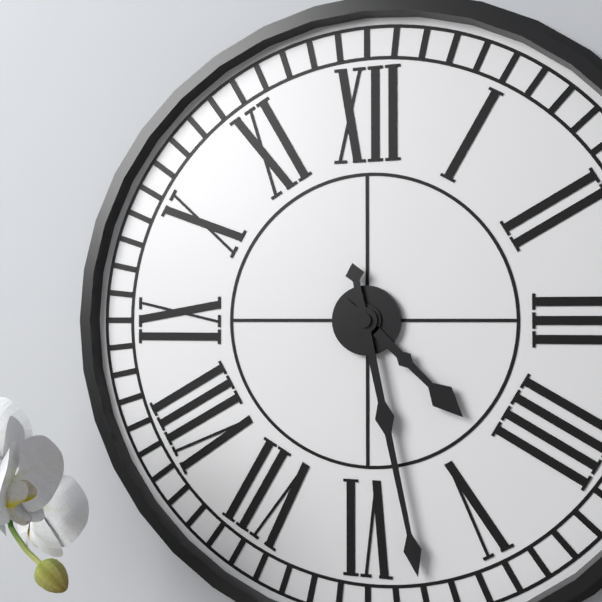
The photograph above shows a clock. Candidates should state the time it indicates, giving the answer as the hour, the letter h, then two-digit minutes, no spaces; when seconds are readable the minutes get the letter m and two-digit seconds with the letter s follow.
4h28
